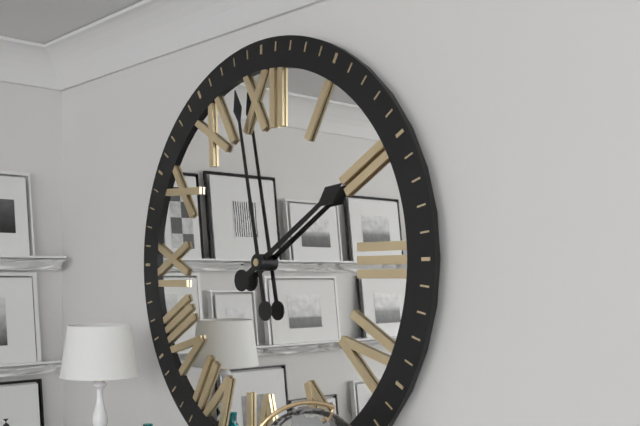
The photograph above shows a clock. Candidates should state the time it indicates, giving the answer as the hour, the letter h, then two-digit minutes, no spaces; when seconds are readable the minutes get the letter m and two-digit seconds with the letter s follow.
1h58
